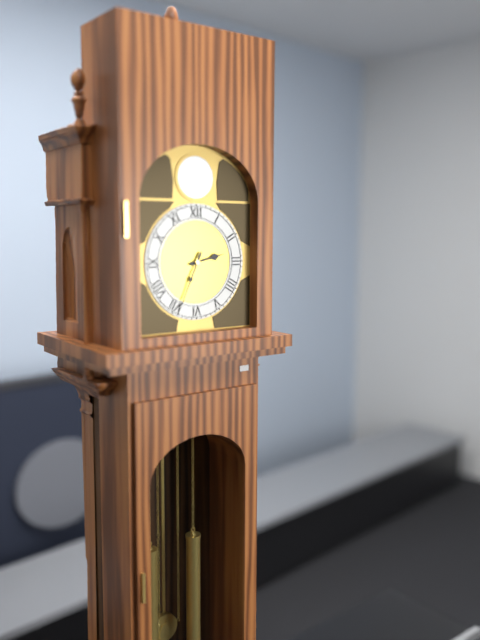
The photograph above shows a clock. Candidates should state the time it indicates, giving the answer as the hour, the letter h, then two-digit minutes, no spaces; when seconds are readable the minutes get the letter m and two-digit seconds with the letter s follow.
2h34
